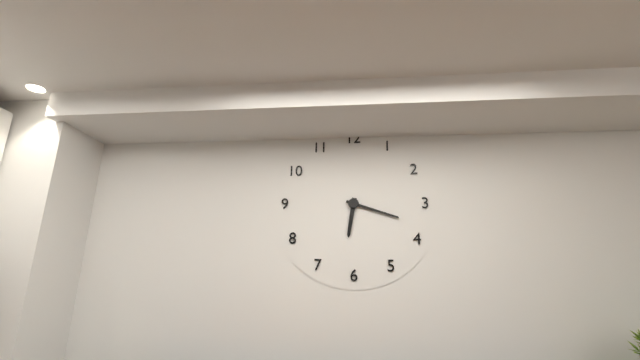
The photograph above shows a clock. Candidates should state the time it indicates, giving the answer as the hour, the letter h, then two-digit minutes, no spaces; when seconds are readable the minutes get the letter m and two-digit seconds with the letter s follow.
6h18
